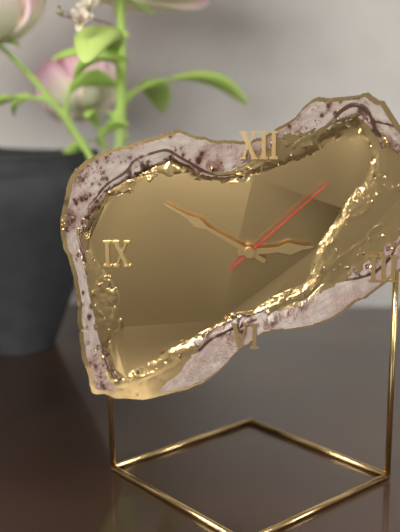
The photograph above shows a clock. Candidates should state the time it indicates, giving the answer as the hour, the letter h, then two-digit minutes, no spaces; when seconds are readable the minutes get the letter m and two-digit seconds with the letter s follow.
2h50m08s
